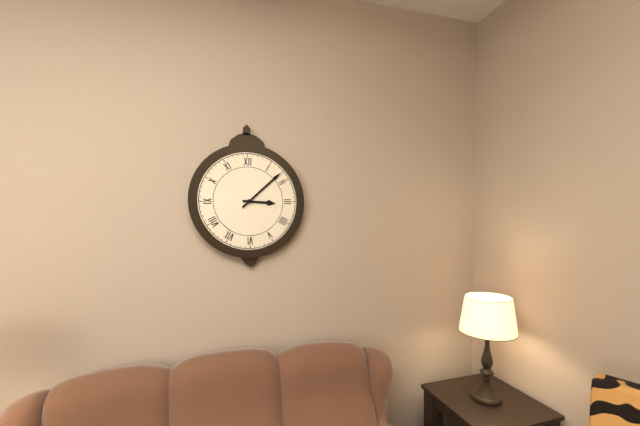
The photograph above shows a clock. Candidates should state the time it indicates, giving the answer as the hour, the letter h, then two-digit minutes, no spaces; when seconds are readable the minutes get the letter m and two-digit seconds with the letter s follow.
3h08
